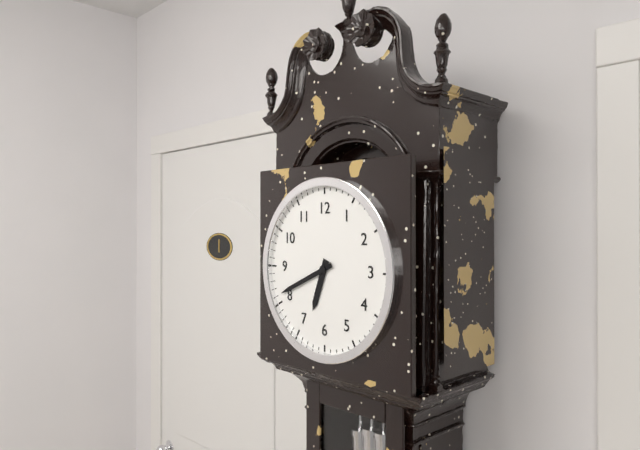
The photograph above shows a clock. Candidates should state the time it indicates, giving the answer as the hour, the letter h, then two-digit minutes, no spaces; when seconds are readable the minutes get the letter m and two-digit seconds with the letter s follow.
6h41
